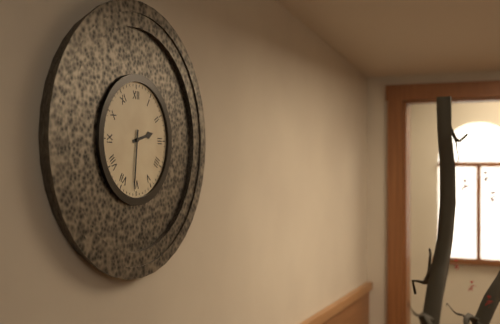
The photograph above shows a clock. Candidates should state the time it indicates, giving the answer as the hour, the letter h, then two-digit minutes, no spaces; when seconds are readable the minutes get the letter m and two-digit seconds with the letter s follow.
2h31
